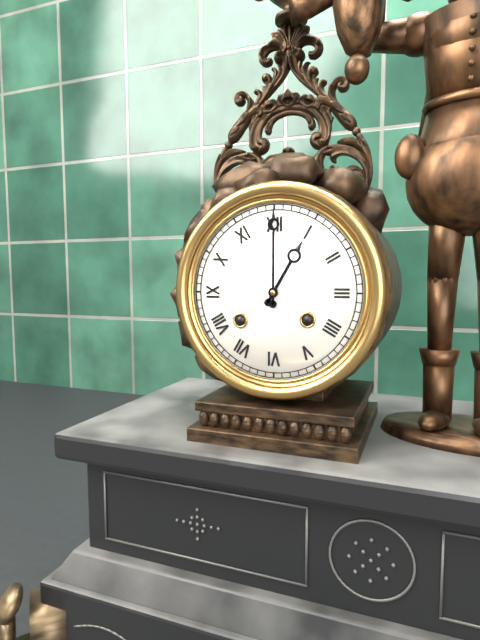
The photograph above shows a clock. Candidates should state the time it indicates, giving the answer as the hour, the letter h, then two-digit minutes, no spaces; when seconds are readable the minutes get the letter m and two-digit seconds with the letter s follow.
1h00
